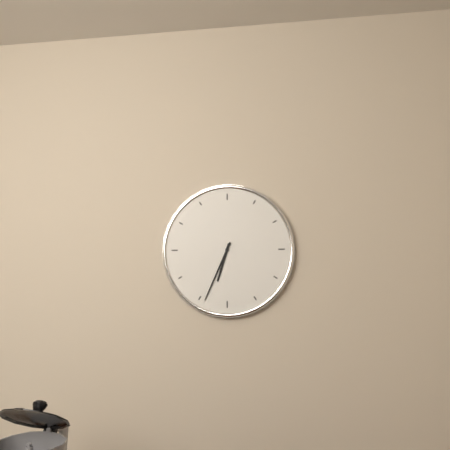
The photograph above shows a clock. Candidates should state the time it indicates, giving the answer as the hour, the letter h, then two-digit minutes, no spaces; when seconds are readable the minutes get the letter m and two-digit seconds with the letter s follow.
6h34
